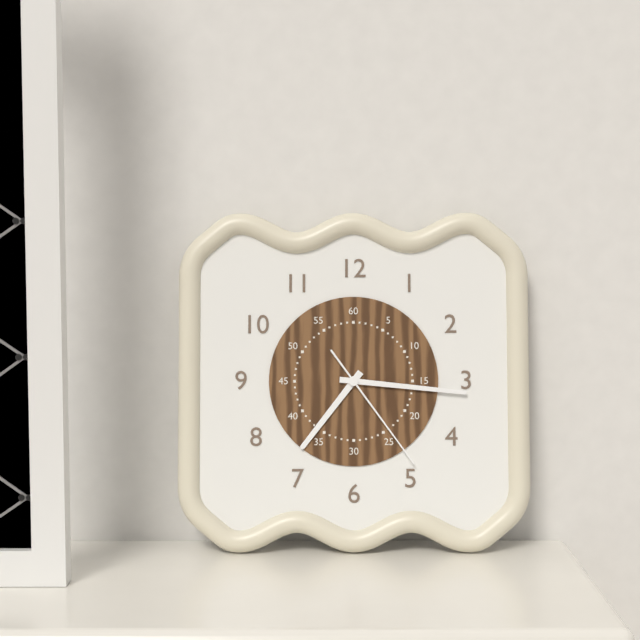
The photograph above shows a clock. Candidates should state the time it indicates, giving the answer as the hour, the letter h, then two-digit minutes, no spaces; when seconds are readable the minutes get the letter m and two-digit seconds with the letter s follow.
7h16m24s
